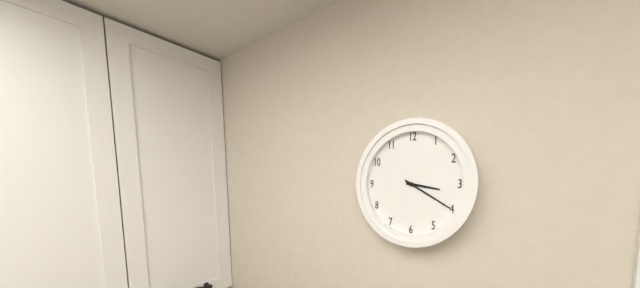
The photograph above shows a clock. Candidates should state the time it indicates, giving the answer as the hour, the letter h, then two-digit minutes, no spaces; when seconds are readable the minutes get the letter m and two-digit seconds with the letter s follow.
3h20
